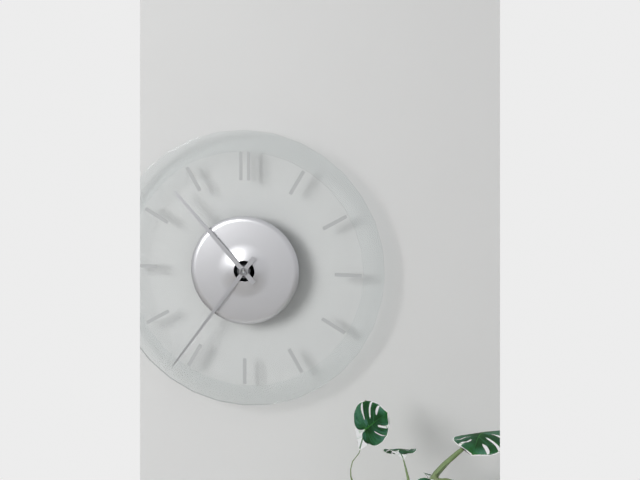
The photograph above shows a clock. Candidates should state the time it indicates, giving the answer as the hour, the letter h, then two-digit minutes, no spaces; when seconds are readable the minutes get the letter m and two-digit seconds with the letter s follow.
10h36
